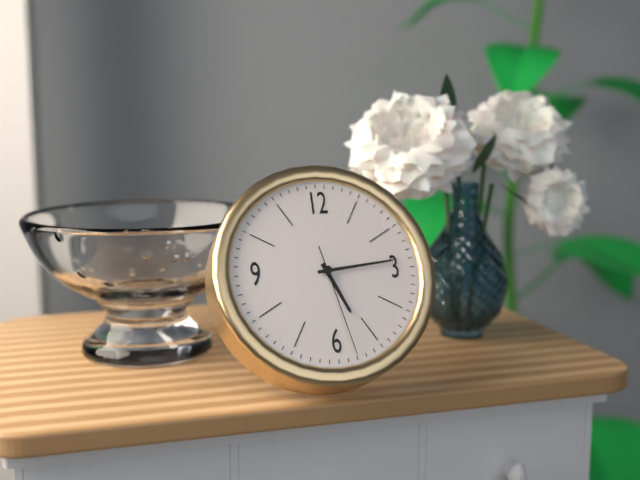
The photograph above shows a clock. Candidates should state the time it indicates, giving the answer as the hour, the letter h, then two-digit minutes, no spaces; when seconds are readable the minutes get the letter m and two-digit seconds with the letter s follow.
5h14m28s
